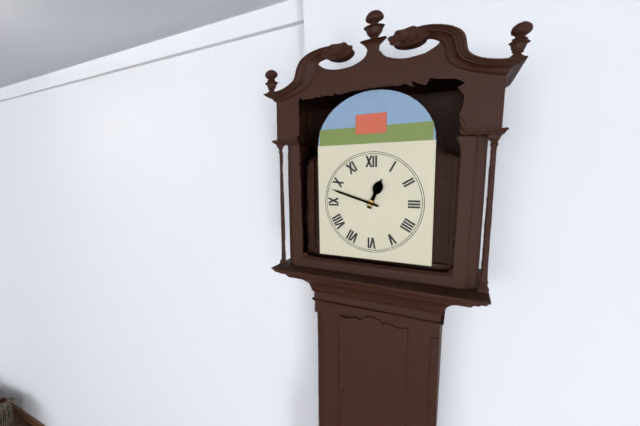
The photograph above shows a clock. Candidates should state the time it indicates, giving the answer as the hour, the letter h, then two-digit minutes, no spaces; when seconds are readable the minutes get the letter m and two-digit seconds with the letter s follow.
12h48
